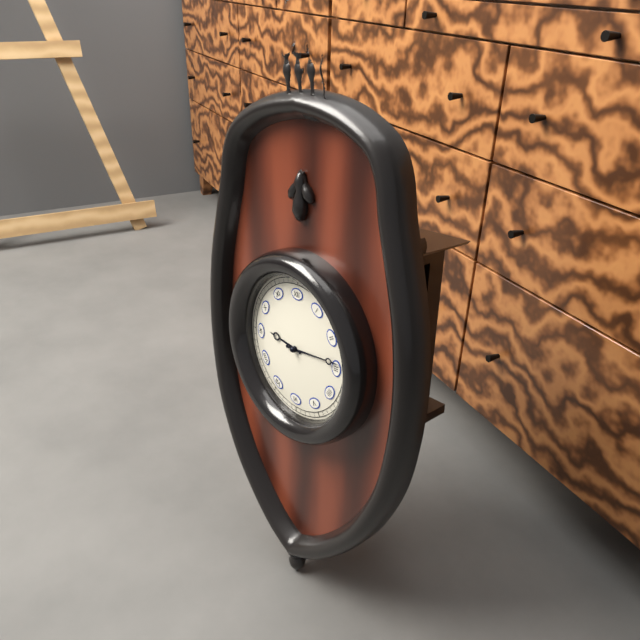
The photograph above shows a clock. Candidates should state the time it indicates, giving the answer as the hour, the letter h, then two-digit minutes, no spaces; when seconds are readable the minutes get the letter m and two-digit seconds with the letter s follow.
9h14
